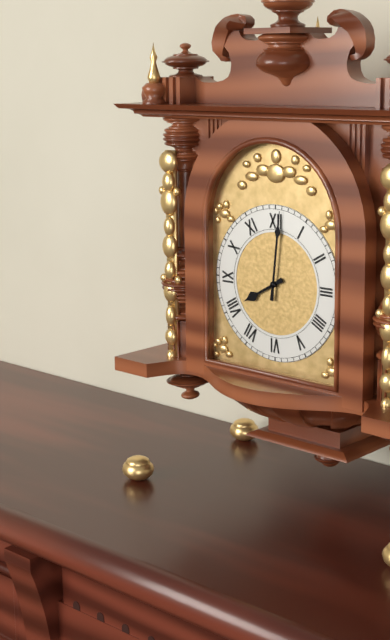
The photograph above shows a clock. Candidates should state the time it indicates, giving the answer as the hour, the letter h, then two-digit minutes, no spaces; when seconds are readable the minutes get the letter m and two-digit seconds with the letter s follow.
8h01
